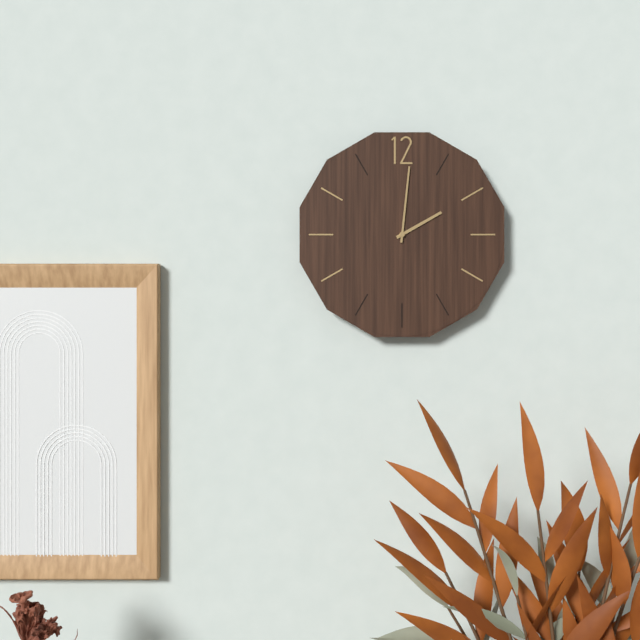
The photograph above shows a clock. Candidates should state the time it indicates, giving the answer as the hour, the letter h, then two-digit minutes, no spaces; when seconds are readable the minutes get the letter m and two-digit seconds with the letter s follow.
2h01
